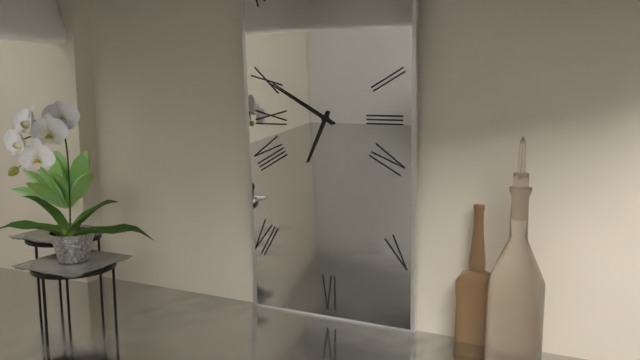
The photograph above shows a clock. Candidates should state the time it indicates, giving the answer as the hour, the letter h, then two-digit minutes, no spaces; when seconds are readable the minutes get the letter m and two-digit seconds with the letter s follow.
6h50
